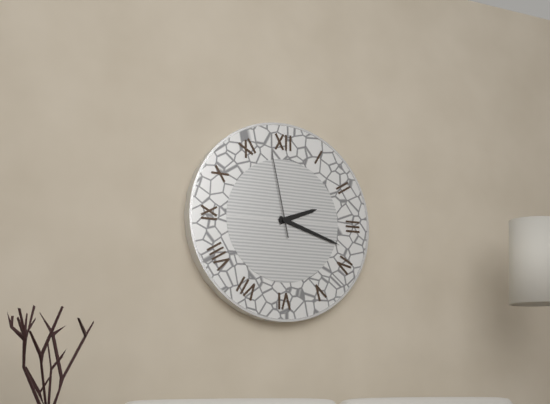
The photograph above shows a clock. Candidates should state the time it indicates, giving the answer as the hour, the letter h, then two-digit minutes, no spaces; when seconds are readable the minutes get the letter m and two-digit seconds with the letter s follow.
2h18m58s
